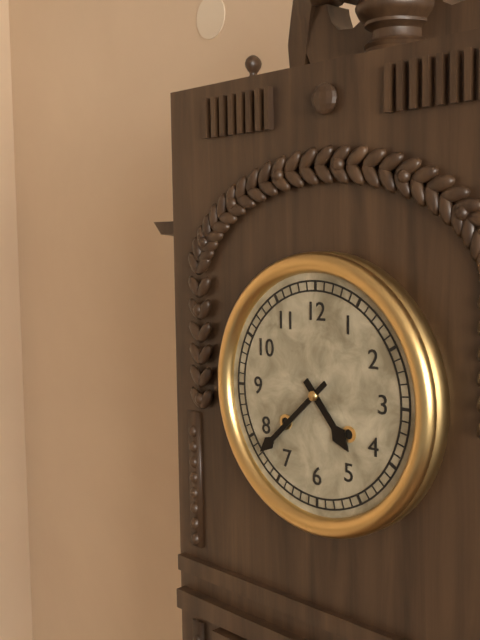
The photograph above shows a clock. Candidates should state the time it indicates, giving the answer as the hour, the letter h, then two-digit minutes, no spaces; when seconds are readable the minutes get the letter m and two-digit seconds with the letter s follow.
4h38
